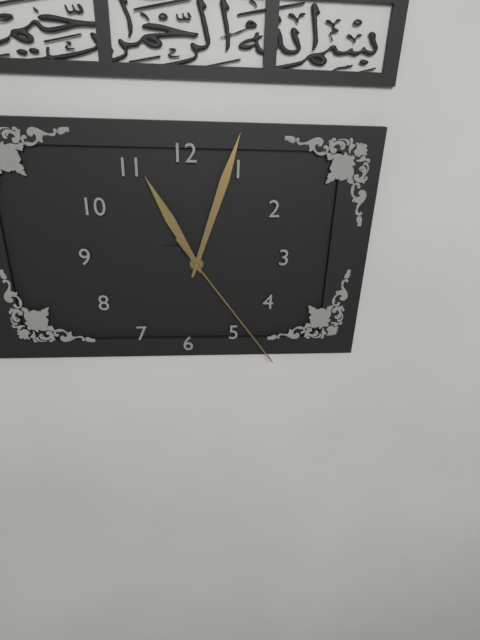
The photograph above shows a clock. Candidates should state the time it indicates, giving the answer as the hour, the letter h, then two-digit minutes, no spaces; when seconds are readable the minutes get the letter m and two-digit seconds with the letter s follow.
11h03m24s
